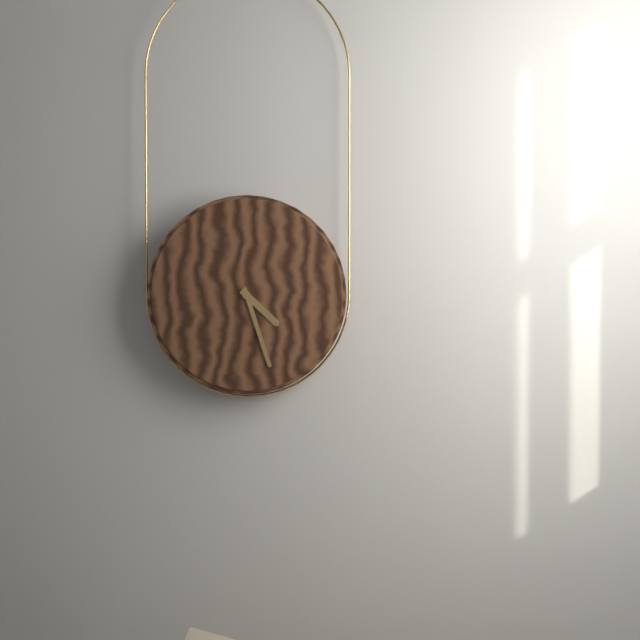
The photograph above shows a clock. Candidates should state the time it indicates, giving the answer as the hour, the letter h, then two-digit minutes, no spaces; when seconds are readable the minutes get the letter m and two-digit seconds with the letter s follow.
4h27
